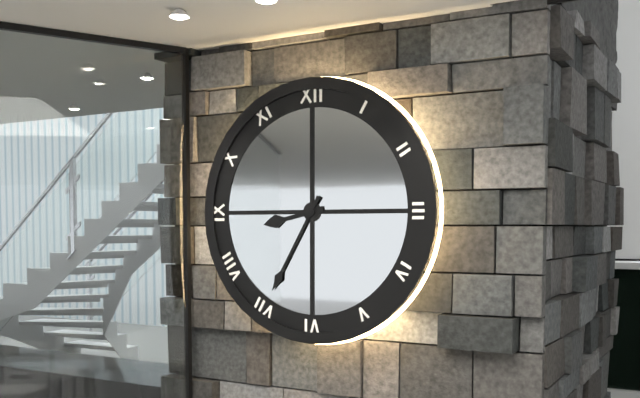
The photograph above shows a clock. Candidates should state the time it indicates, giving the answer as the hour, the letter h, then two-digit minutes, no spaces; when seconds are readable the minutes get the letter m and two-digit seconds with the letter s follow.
8h35
